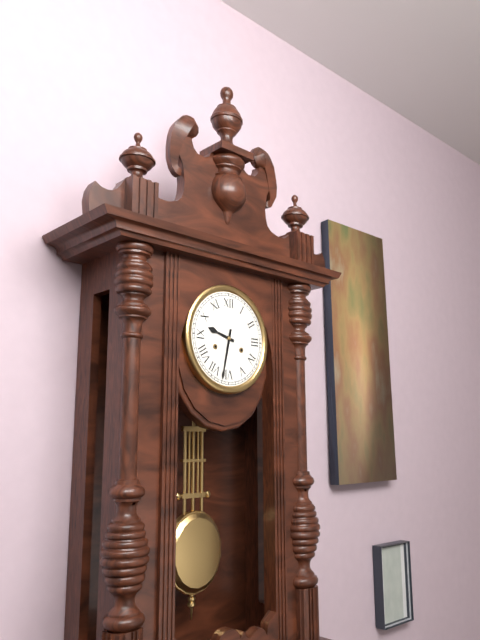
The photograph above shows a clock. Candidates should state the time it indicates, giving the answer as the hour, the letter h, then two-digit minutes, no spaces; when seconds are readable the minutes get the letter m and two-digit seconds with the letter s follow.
9h32
